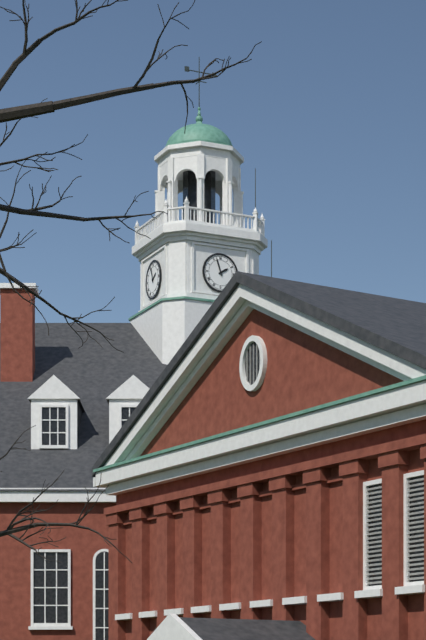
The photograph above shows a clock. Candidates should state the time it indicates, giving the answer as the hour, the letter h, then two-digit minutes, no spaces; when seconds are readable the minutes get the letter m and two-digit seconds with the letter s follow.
1h57
